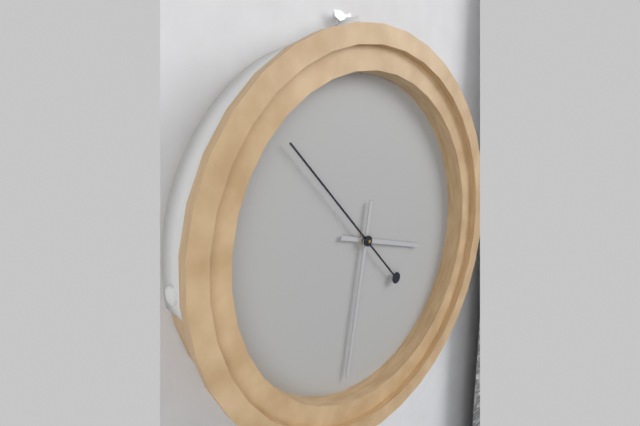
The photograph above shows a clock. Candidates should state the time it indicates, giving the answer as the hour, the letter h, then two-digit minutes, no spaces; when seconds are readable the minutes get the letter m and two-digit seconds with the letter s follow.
3h32m53s
